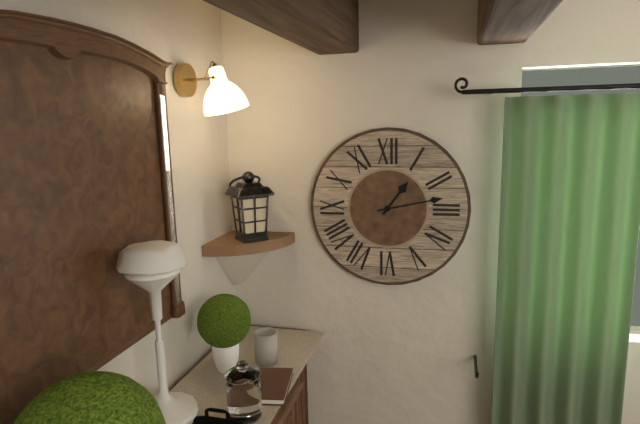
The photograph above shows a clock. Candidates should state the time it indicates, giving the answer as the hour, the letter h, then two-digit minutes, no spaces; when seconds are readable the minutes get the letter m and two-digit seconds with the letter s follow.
1h13
